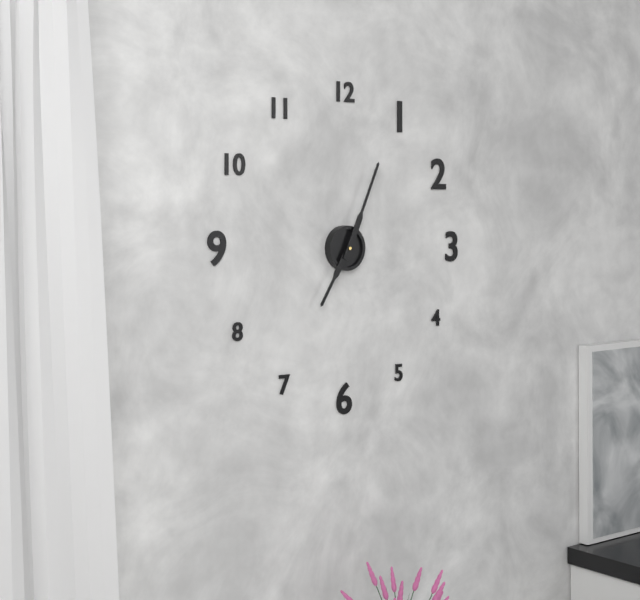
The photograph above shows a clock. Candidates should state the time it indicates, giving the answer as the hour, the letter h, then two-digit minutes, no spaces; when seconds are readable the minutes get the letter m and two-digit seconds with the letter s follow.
7h04
